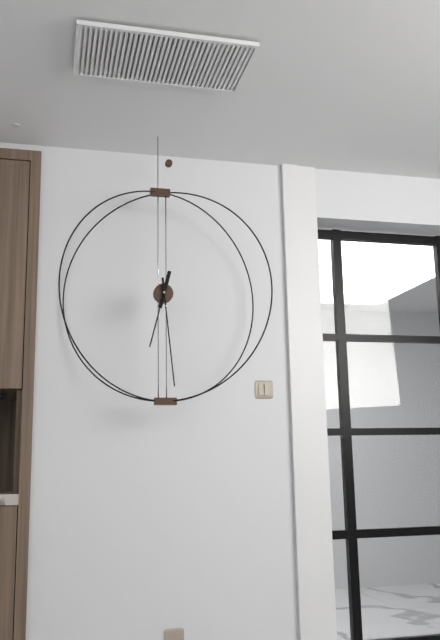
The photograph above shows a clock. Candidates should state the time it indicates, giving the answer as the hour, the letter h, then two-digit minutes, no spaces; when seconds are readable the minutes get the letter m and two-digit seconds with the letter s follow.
6h29
